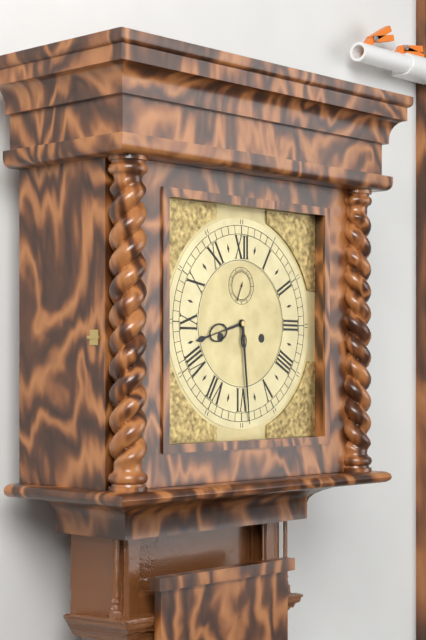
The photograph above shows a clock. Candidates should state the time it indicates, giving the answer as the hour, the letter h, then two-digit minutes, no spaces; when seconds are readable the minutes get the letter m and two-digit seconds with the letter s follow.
8h29
